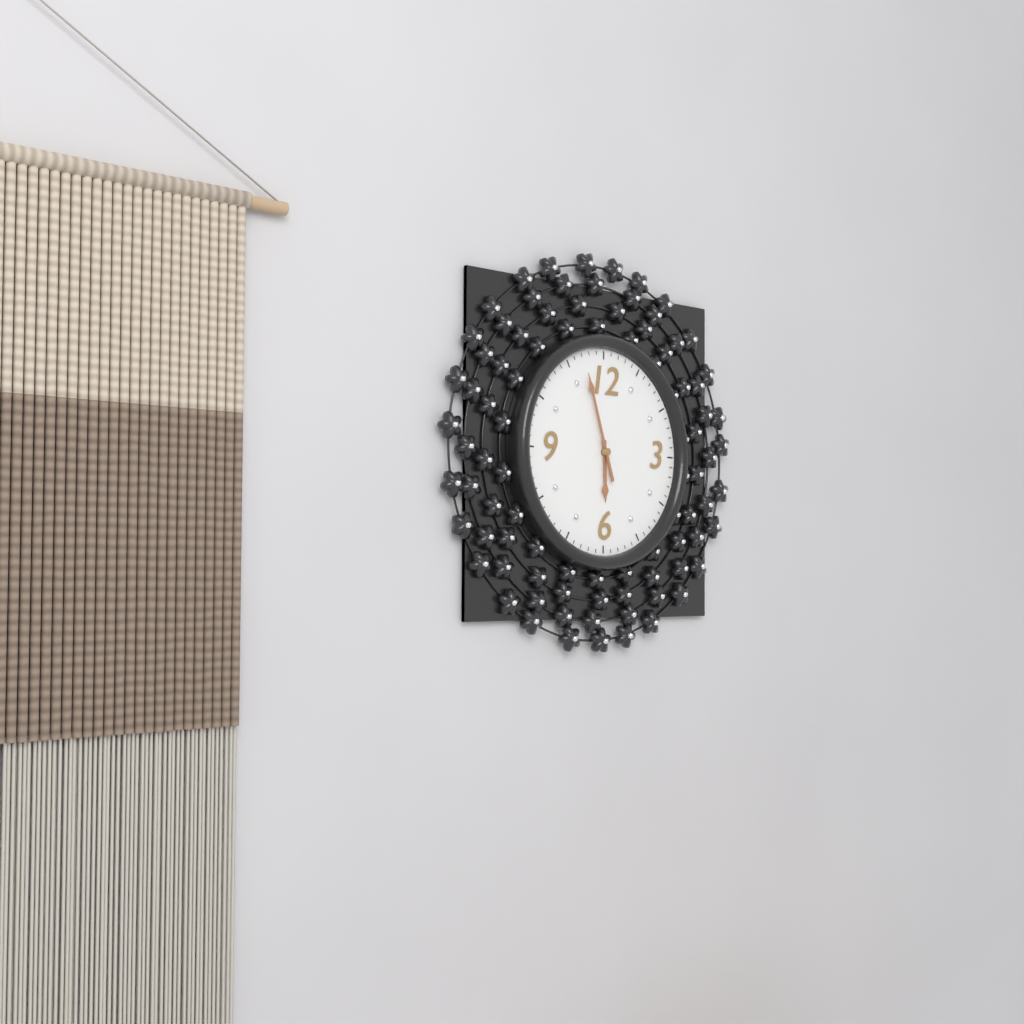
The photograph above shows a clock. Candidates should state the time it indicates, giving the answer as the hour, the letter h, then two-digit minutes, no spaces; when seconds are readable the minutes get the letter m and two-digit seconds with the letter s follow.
5h57
